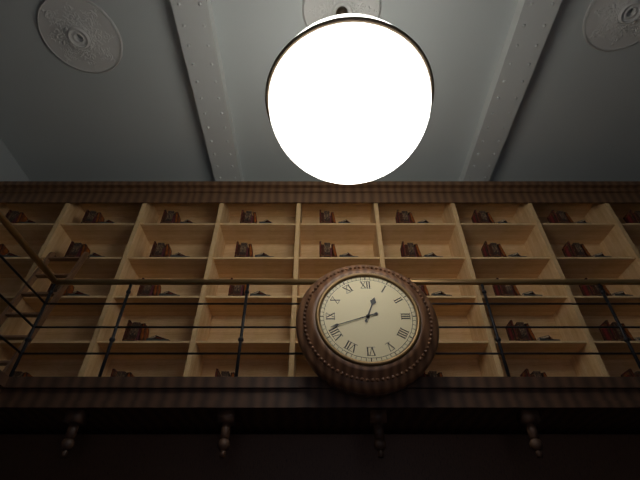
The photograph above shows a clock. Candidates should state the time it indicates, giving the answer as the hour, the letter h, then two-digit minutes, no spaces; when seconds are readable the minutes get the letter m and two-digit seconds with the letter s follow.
12h42
